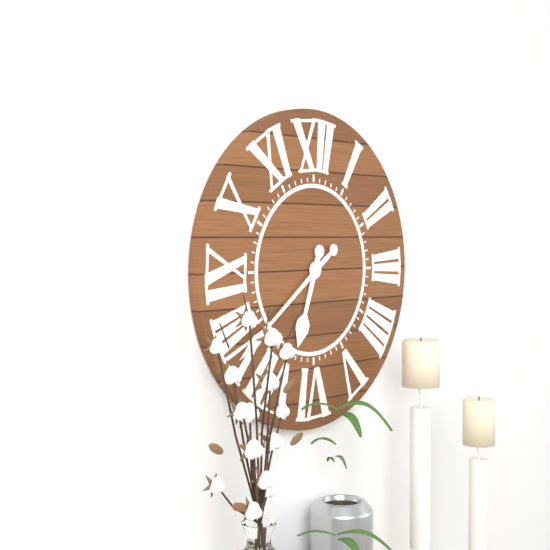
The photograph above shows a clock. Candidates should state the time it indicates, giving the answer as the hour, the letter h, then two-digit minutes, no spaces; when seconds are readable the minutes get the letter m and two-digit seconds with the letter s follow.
6h39
